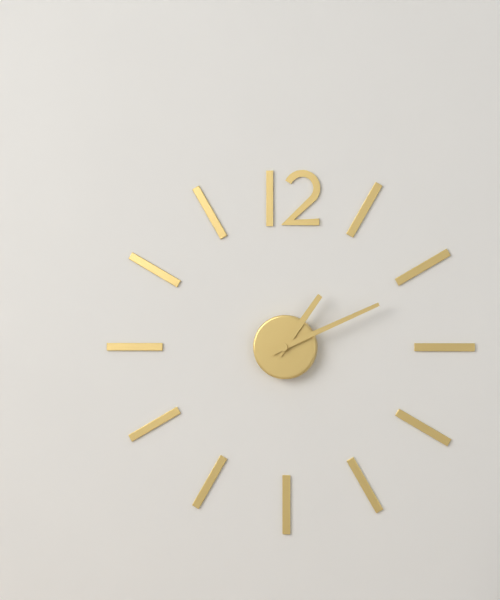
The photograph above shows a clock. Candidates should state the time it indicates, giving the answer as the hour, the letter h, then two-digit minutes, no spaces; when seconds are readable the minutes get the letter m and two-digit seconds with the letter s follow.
1h11
